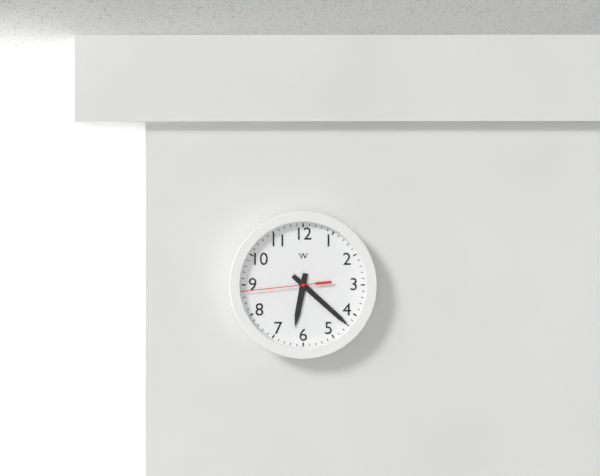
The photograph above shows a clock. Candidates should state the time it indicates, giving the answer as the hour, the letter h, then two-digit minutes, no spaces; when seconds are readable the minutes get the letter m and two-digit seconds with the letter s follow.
6h22m44s
